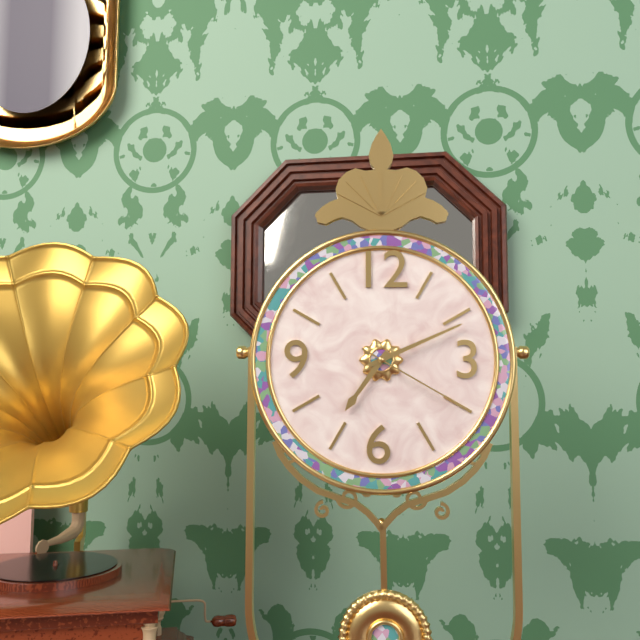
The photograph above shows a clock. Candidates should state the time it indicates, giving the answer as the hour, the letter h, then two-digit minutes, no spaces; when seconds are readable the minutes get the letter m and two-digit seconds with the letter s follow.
7h11m20s
